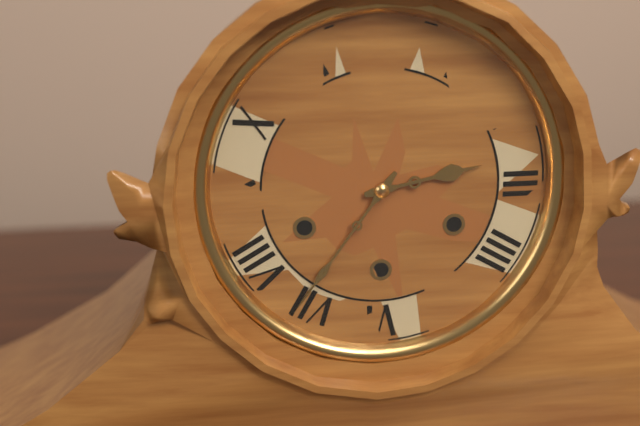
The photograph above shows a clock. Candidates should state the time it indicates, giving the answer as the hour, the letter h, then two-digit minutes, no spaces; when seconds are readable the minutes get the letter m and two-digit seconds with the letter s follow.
2h36
